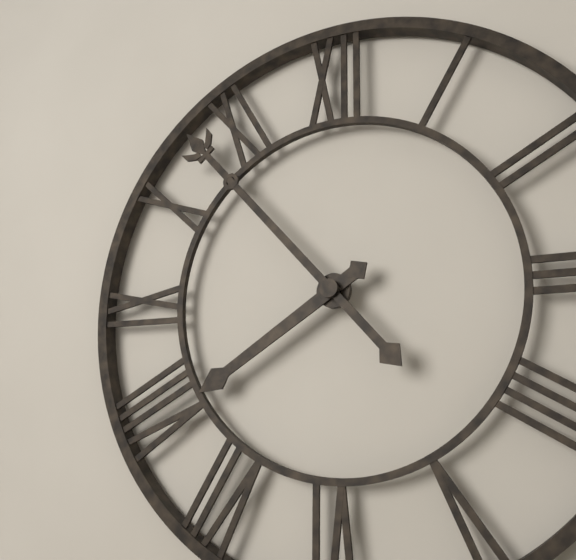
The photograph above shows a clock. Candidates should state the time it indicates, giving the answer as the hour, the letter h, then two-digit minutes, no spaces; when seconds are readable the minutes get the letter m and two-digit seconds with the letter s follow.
7h53
